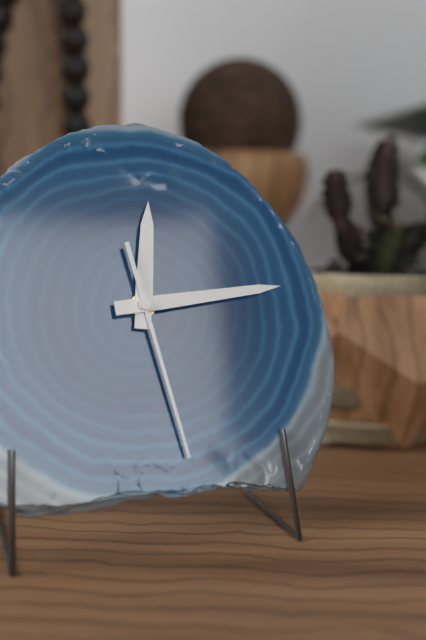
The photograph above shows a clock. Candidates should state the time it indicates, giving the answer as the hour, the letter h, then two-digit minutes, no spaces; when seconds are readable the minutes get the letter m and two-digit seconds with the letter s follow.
12h14m28s
